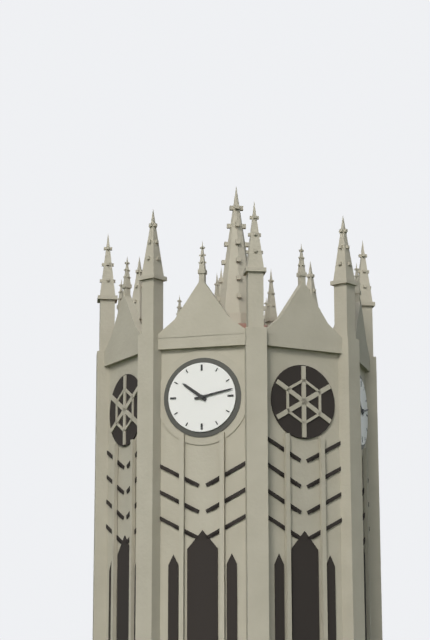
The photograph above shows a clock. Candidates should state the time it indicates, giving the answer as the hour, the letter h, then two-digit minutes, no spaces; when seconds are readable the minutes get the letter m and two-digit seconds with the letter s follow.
10h13
